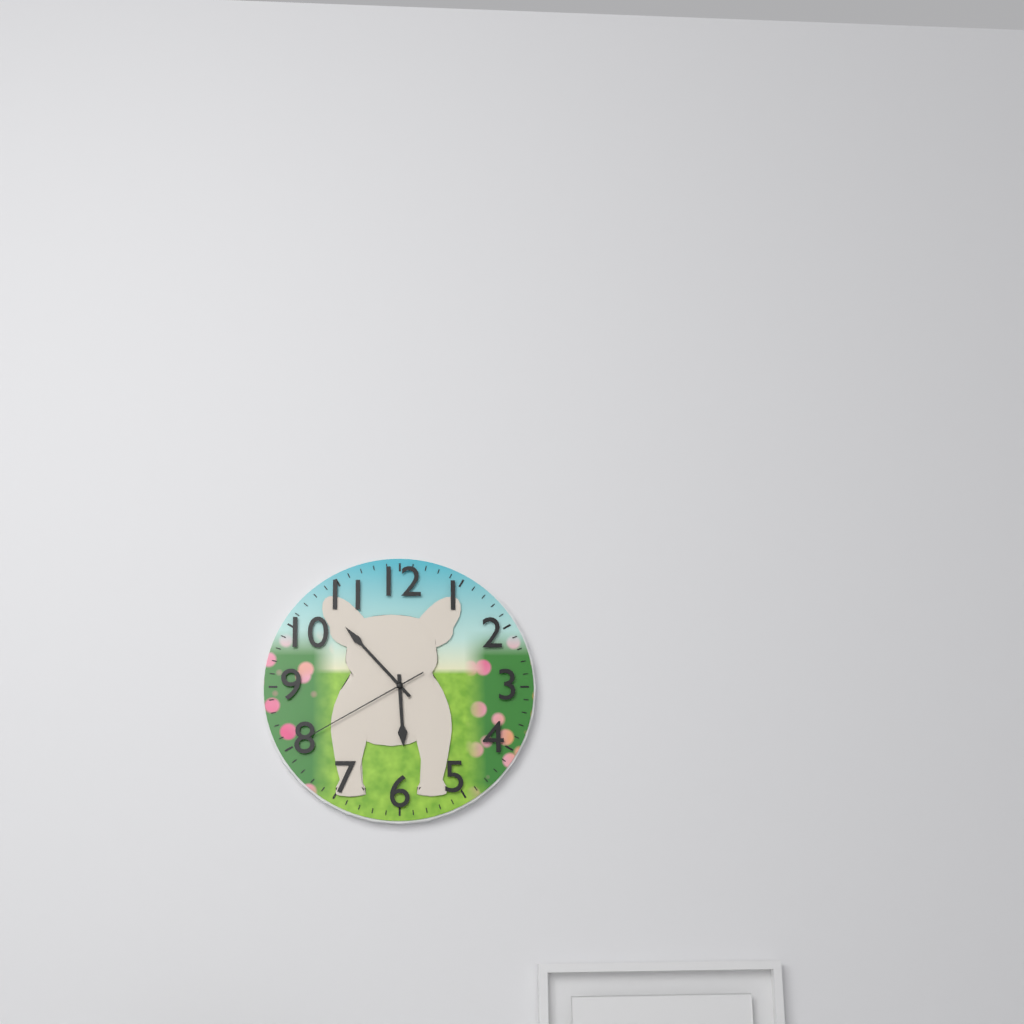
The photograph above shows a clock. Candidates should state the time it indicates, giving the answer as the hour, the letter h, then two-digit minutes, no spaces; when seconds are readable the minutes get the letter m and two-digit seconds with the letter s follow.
5h53m40s
